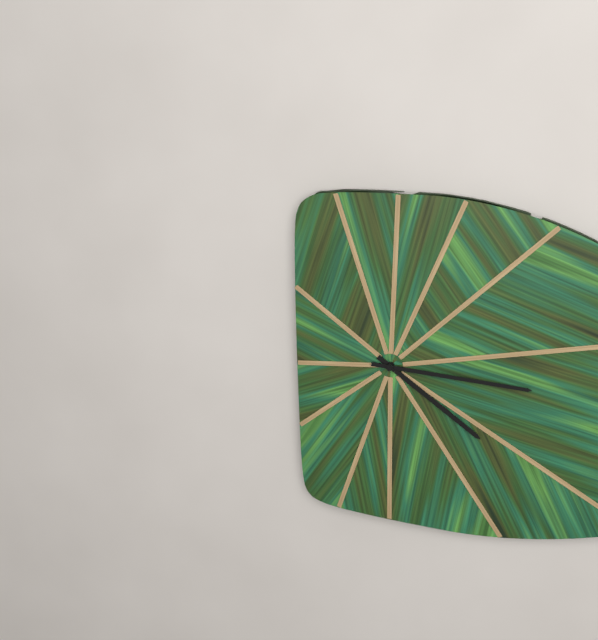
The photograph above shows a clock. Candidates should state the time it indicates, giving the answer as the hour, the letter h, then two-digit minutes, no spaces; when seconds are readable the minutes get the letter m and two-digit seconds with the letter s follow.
4h16
